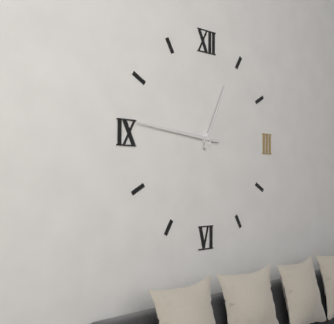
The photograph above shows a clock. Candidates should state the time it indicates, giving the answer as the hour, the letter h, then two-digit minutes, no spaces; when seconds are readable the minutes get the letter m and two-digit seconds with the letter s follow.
12h46
